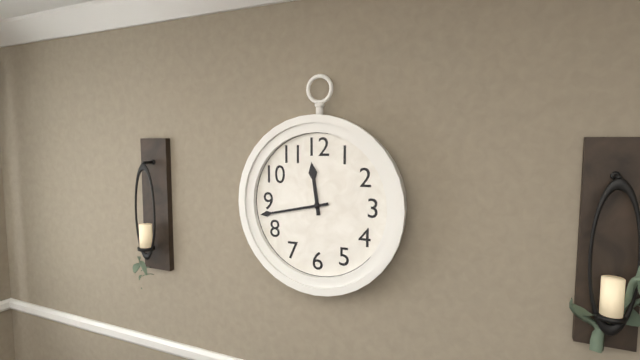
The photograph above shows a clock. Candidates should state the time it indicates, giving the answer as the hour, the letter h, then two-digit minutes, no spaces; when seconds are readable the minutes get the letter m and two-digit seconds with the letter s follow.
11h43
